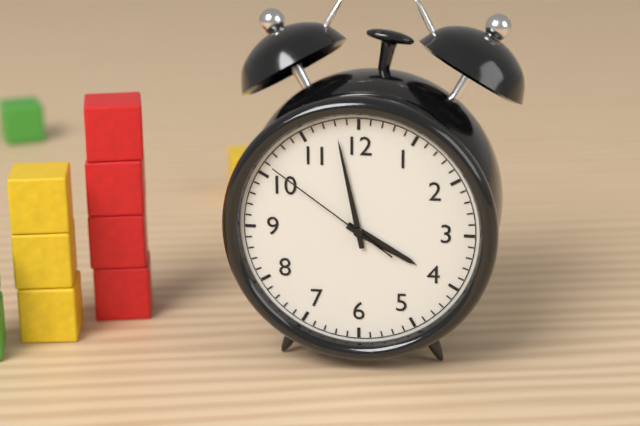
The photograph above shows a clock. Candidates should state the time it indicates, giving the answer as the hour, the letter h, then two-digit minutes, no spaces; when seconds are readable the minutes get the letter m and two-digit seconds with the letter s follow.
3h58m51s
